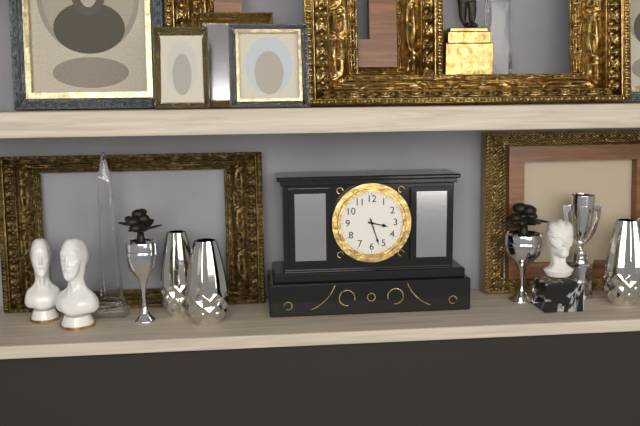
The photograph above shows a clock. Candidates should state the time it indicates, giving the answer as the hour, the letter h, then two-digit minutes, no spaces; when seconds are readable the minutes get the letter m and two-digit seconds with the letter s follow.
3h27
